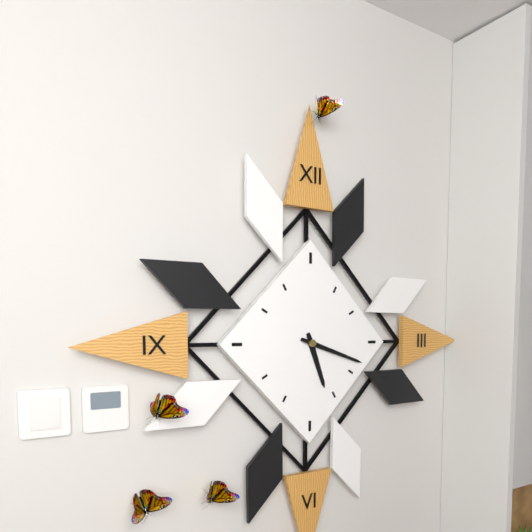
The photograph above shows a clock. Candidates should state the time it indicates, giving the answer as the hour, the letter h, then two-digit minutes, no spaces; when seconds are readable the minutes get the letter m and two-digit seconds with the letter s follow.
5h18
